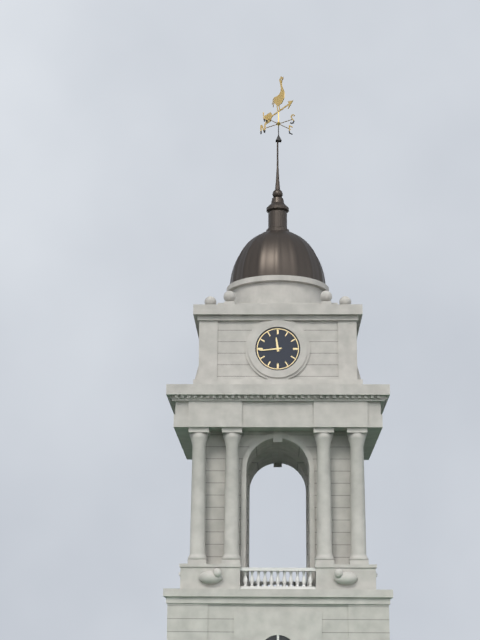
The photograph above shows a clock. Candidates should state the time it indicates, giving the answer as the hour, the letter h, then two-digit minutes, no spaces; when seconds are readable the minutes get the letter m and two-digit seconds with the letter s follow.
11h44
